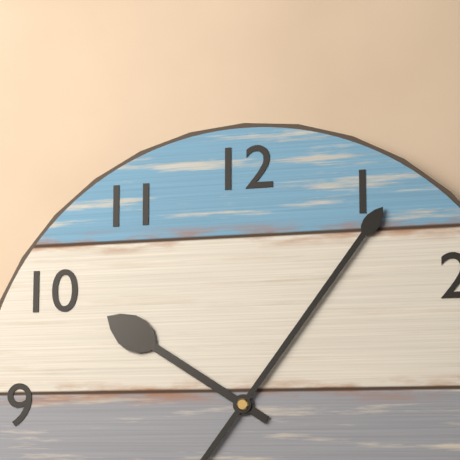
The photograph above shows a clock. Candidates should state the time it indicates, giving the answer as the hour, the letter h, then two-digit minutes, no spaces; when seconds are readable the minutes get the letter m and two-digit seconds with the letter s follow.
10h06
